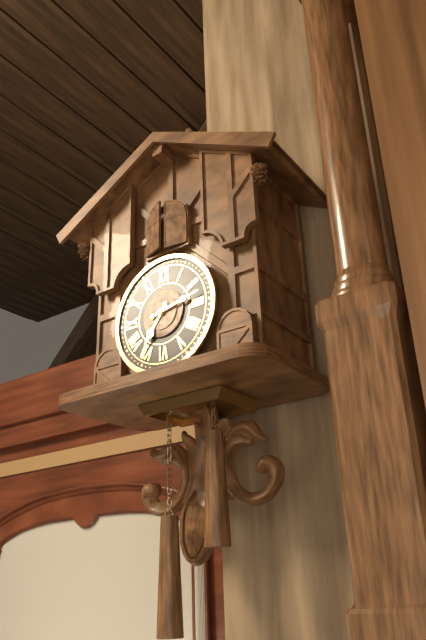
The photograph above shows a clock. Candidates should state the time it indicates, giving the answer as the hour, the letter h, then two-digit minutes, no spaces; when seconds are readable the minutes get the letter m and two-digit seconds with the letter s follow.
7h13
